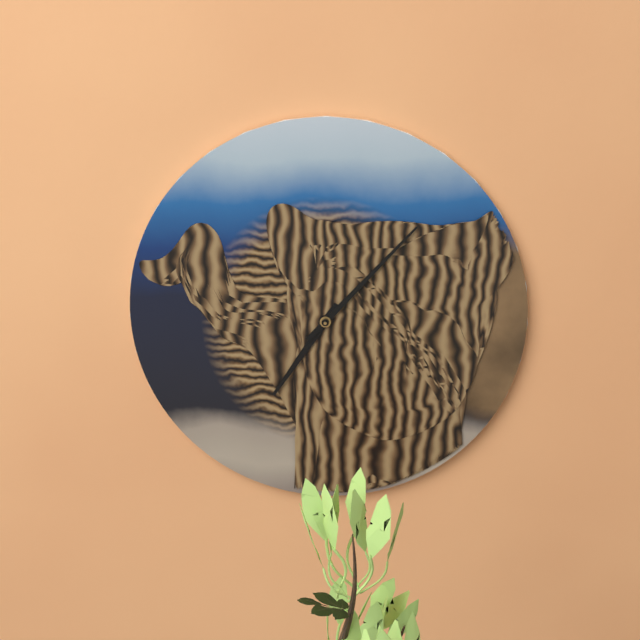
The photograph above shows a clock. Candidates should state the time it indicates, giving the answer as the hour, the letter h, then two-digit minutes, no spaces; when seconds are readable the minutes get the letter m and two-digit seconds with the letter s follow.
7h07
